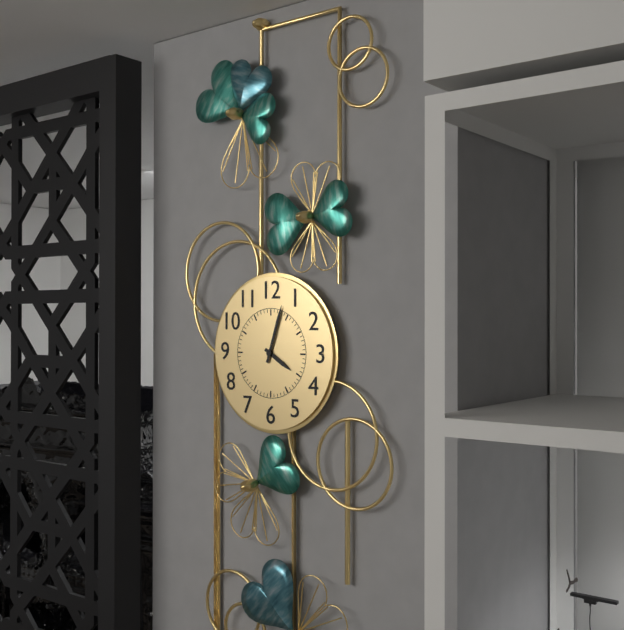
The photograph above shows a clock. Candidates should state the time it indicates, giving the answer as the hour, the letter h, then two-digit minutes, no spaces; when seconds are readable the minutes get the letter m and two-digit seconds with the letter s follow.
4h03
